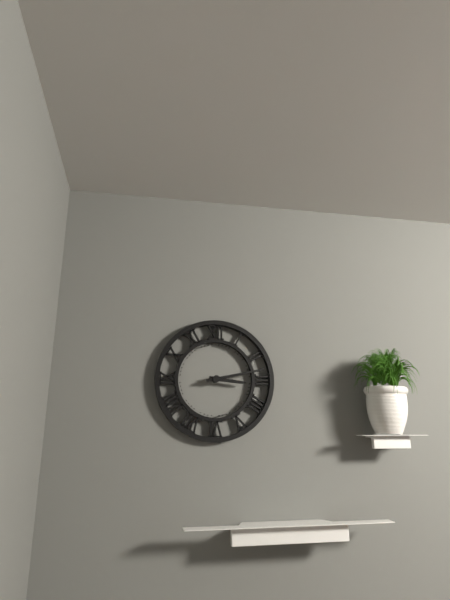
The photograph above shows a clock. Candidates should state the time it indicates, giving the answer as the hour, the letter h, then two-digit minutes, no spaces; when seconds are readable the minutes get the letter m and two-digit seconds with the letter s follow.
3h13
